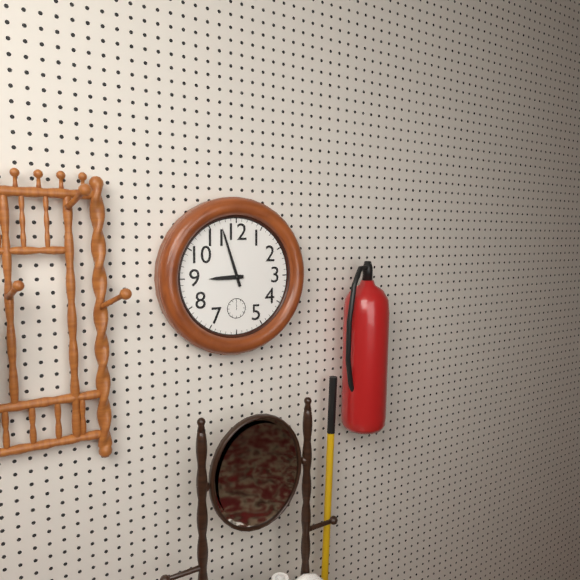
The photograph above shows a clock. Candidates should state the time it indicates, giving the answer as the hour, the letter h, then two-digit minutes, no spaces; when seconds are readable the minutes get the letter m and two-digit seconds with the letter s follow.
8h57
